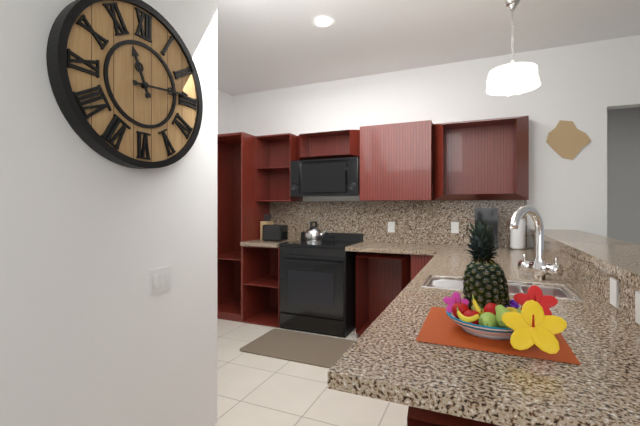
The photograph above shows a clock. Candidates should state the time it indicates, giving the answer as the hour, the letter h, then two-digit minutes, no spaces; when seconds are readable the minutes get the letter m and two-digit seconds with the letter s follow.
11h14
